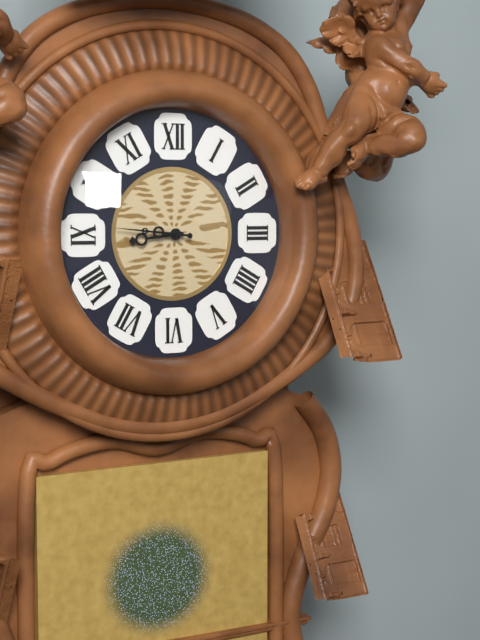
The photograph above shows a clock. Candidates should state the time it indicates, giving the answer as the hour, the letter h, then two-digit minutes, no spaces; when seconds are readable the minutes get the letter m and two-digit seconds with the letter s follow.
8h46
